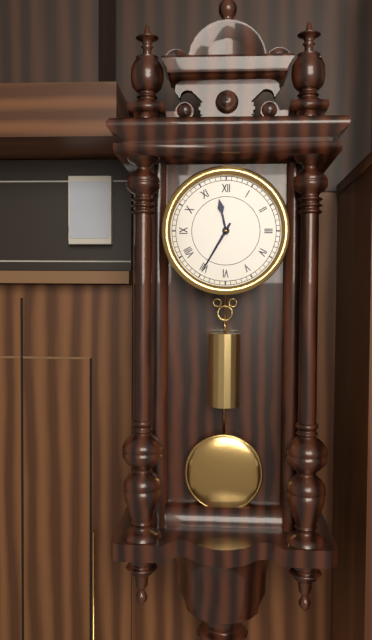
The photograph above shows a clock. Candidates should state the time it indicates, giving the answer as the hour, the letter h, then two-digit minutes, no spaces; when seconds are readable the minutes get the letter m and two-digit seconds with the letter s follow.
11h35
